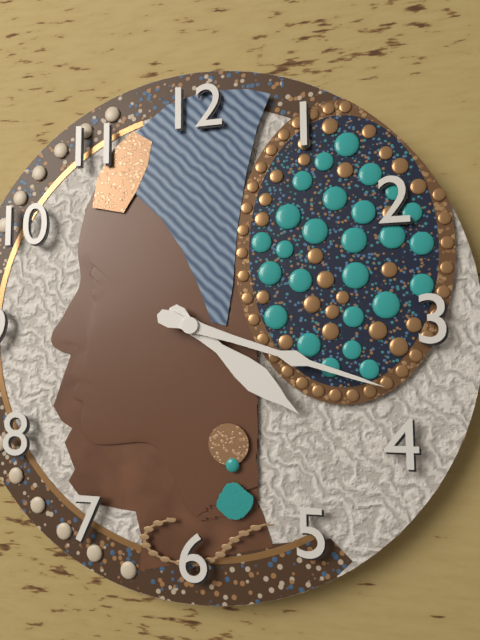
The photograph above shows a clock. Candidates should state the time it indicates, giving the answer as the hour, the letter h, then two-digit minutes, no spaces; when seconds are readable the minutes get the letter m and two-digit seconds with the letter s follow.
4h18
